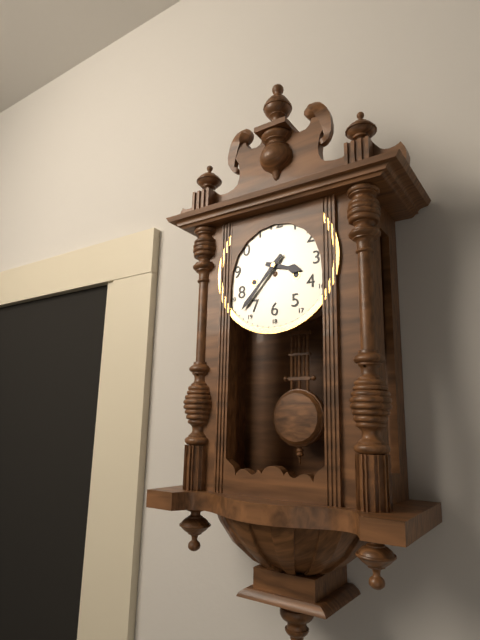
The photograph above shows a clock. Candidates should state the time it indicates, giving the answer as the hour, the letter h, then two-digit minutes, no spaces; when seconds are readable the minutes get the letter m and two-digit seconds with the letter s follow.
3h37
